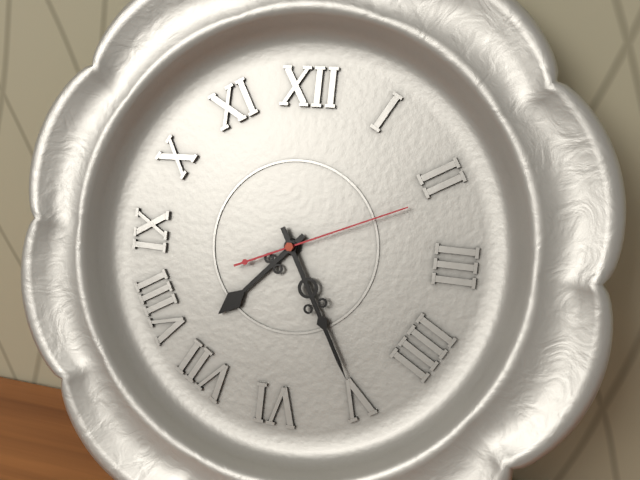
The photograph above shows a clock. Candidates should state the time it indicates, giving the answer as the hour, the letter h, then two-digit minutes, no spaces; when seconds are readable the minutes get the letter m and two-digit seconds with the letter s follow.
7h25m11s
